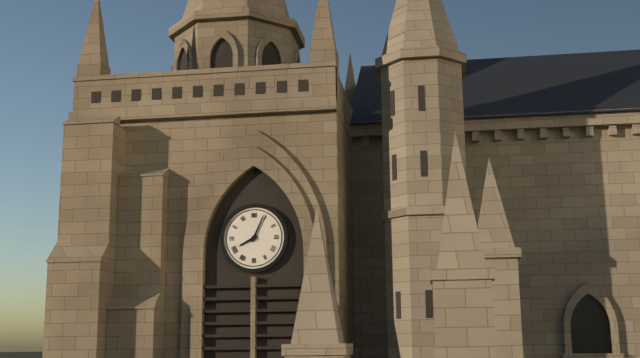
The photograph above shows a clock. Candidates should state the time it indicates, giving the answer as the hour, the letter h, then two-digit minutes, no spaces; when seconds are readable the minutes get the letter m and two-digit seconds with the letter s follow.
8h04
